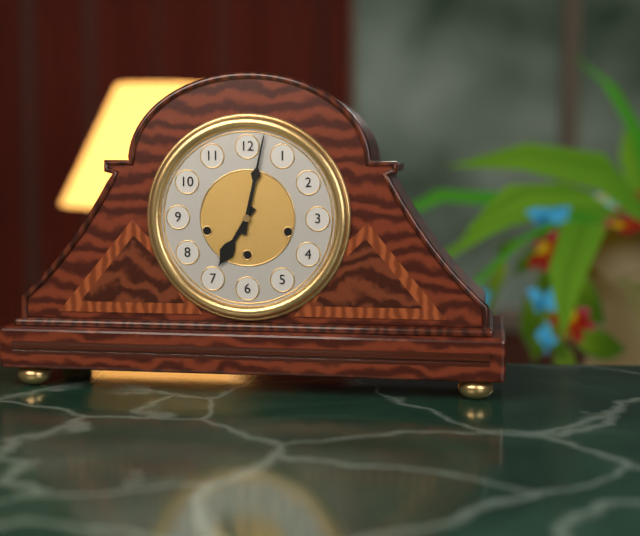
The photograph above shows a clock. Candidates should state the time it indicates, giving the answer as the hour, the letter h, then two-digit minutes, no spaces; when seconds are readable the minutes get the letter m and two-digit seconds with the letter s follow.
7h02
